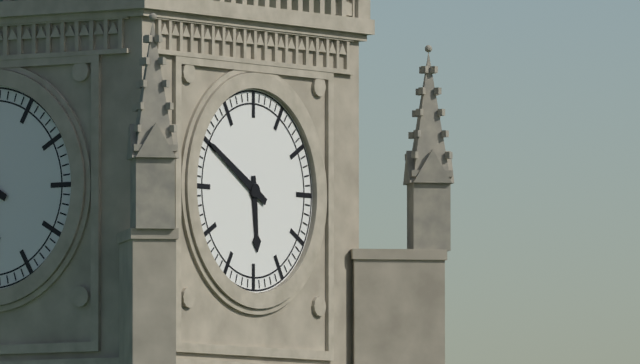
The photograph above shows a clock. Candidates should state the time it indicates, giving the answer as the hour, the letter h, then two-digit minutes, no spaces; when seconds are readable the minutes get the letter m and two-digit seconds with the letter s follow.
5h50
